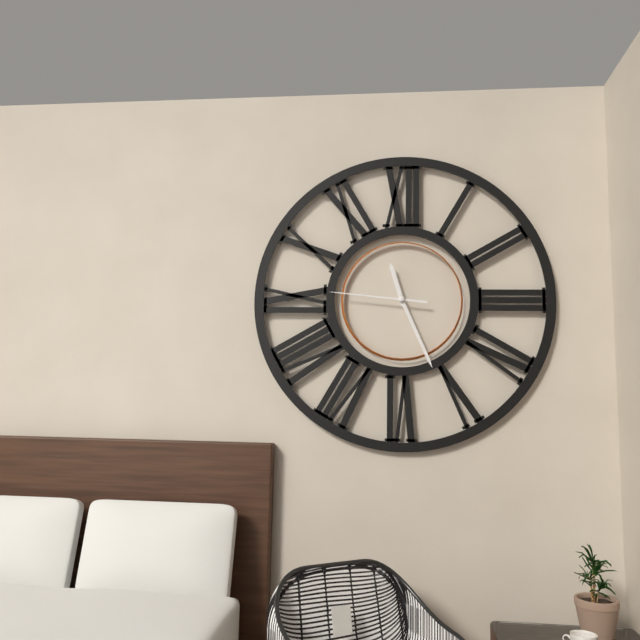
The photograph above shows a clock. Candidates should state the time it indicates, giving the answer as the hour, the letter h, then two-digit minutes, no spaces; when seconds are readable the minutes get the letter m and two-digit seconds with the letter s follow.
11h26m46s
